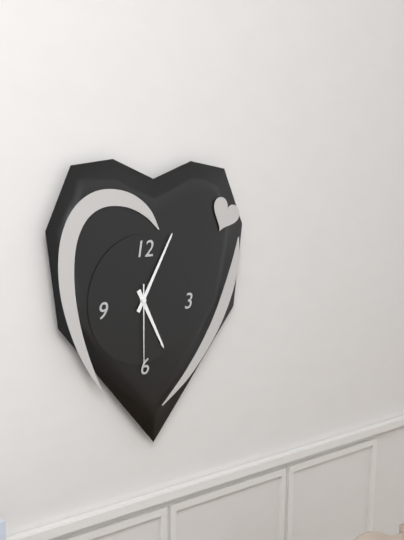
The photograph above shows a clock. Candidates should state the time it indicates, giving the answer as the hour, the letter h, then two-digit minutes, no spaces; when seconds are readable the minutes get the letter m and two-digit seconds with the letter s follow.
5h05m30s
